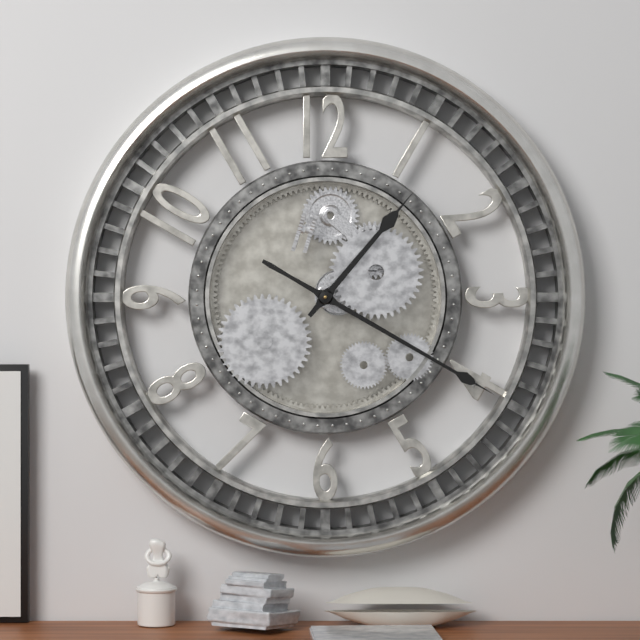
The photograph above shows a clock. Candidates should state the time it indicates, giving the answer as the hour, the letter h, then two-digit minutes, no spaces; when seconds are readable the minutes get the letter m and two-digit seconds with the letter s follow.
1h20
